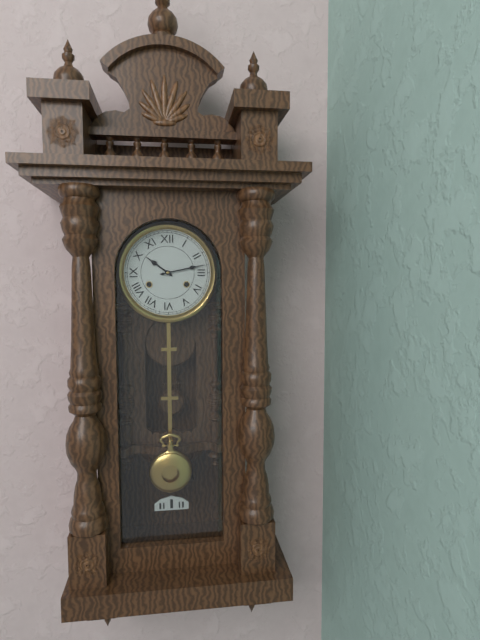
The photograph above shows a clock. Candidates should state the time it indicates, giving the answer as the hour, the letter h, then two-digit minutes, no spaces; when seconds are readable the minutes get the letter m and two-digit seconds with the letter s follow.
10h13
